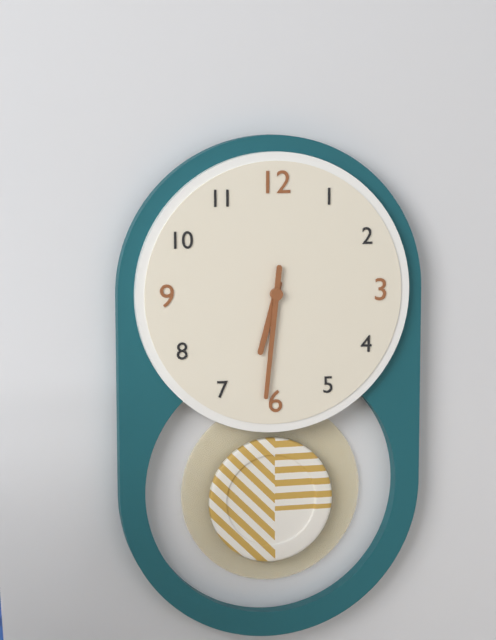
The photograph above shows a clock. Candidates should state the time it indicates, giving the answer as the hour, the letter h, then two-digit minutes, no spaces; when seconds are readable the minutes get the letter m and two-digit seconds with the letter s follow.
6h31
